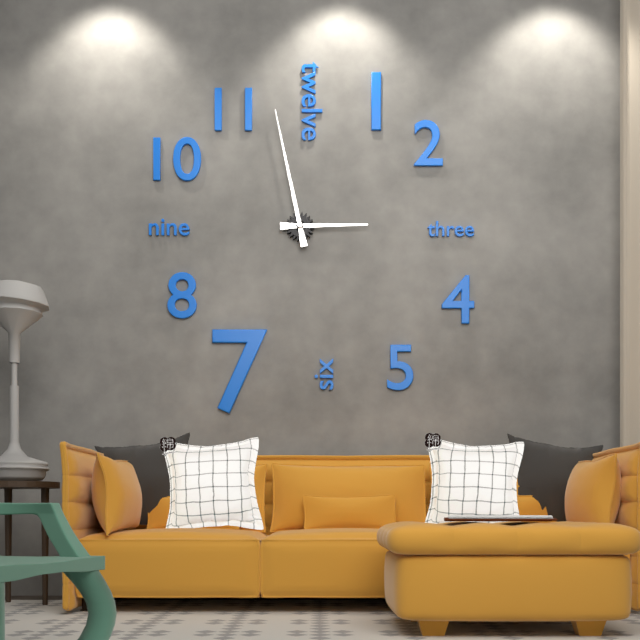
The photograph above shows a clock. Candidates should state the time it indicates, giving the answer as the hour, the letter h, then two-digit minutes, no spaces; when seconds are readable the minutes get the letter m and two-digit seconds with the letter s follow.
2h58
